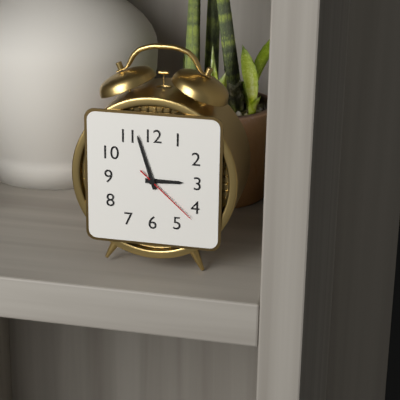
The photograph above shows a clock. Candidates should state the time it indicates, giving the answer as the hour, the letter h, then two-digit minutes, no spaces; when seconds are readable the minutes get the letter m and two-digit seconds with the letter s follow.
2h57m22s
